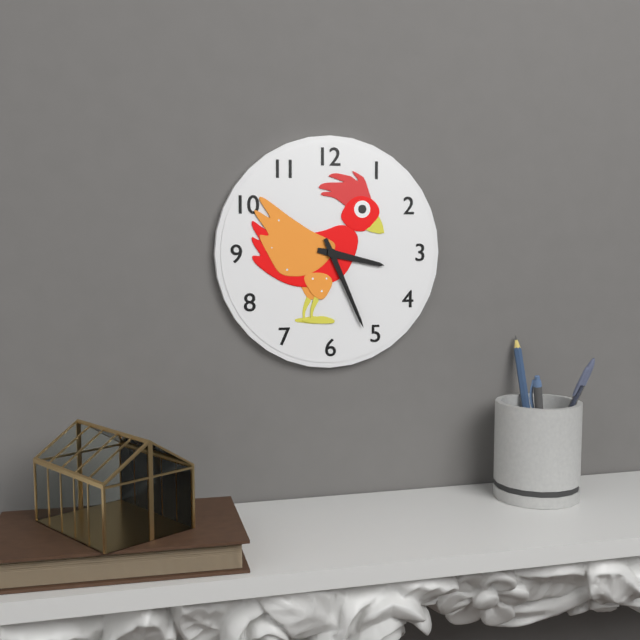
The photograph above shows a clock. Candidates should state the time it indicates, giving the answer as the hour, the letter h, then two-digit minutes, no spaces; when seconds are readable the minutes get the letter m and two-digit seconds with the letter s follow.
3h26
